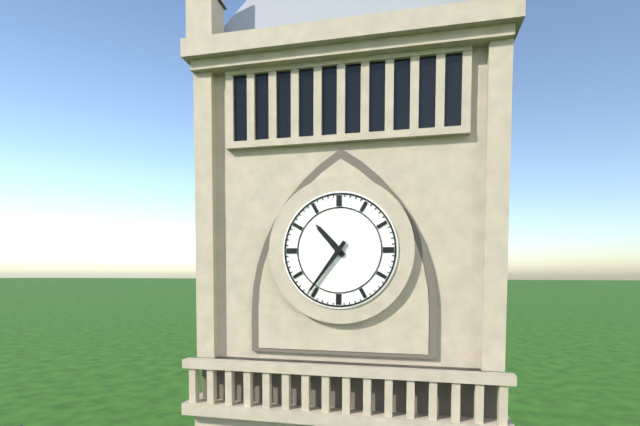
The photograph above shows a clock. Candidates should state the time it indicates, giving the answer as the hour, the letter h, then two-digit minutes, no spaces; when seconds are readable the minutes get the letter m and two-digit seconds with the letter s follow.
10h36
